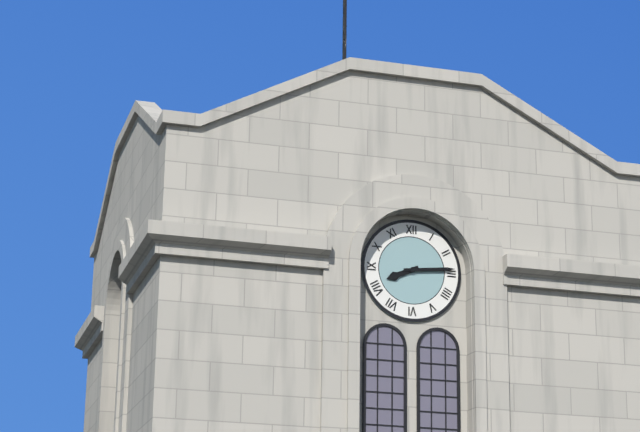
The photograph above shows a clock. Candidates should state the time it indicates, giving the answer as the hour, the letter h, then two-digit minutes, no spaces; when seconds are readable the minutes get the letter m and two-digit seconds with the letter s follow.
8h14
